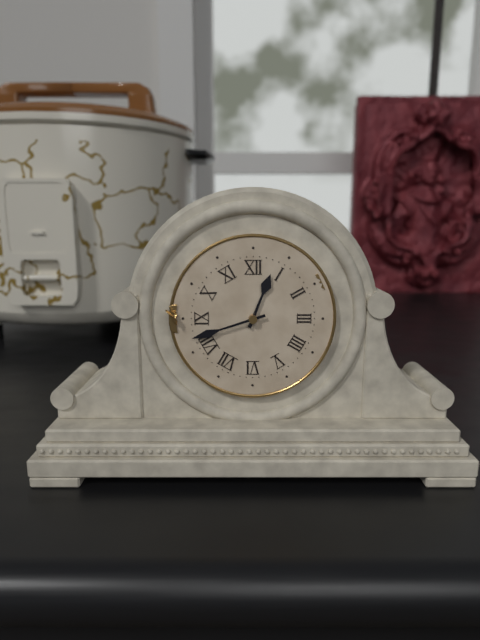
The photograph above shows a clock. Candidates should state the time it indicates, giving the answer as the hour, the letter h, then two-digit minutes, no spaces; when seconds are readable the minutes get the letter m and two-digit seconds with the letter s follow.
12h42
